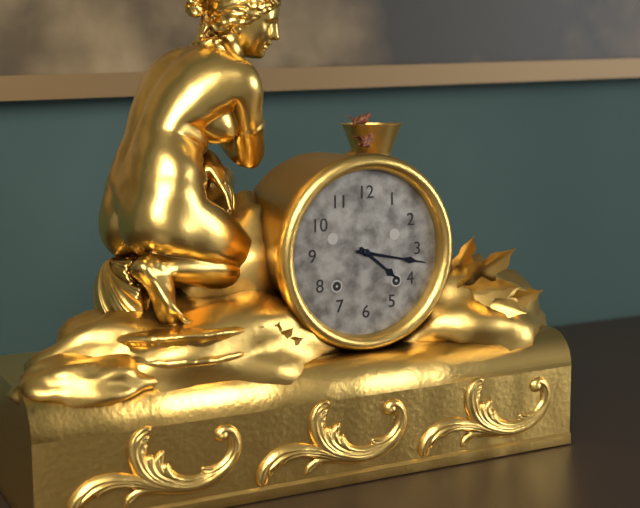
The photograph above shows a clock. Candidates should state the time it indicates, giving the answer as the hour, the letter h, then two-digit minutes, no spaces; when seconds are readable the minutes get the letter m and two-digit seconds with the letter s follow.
4h17
